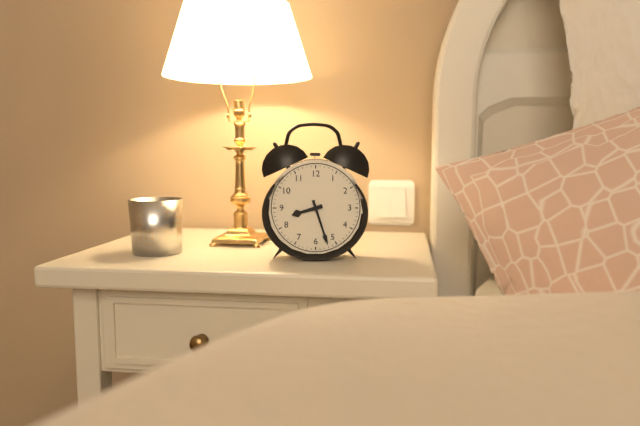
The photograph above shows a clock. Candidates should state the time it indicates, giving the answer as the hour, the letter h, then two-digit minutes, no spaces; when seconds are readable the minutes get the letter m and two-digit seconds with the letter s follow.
8h27
